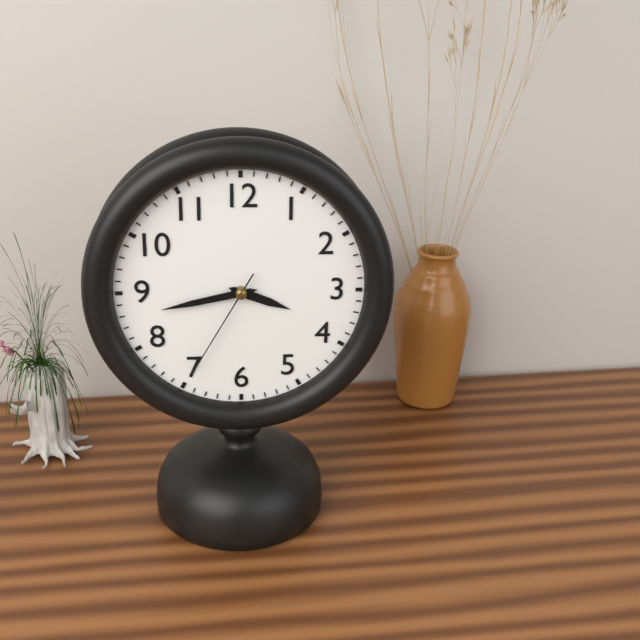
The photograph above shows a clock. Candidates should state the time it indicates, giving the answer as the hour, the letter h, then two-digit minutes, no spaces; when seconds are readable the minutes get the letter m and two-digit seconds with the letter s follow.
3h43m35s
